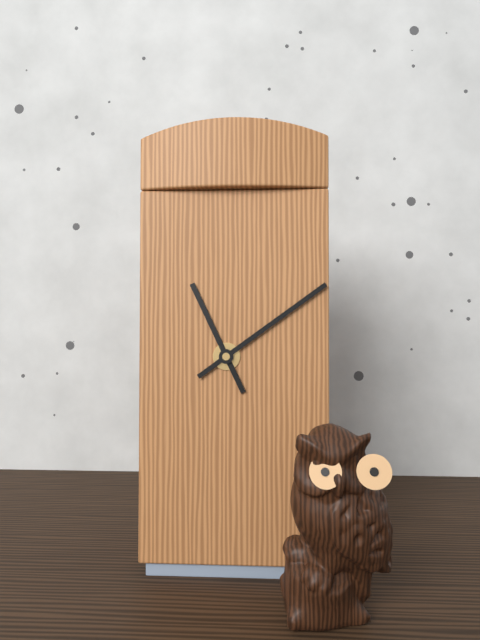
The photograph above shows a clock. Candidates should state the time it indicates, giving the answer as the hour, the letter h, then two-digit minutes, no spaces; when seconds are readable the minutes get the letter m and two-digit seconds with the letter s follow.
11h09
